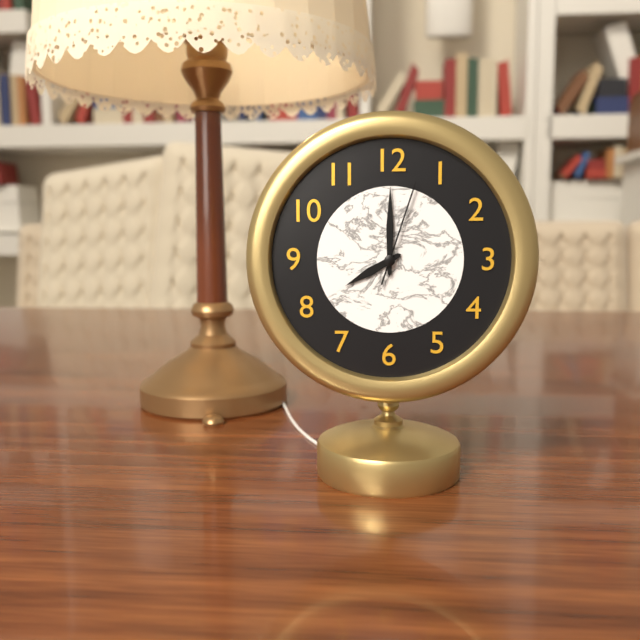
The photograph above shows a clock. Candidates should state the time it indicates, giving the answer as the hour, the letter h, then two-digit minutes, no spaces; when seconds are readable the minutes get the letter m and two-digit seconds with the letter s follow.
8h00m03s
